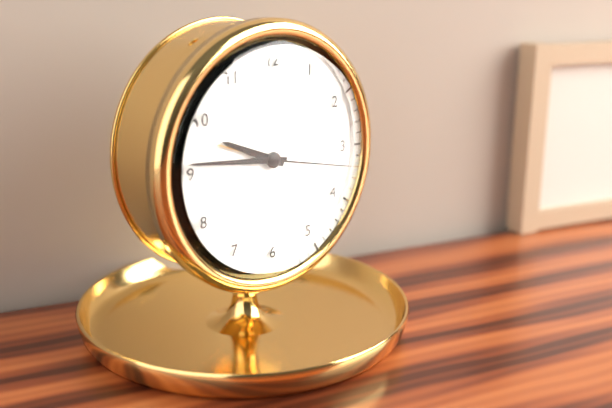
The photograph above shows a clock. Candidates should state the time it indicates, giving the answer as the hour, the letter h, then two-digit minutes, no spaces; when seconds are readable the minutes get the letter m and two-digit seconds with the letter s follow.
9h46m17s
